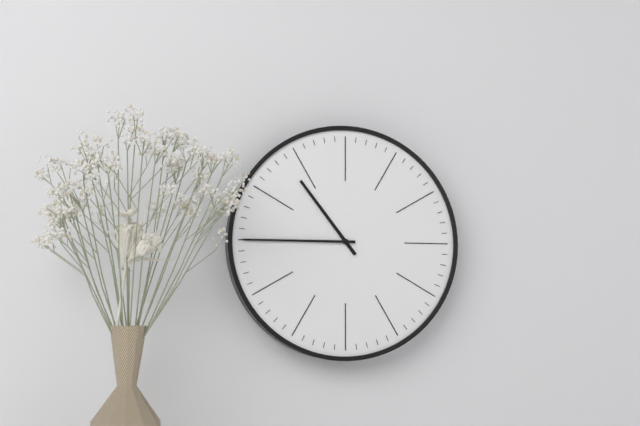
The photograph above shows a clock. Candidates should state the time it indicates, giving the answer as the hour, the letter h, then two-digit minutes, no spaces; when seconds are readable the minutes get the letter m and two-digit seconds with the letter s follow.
10h45
